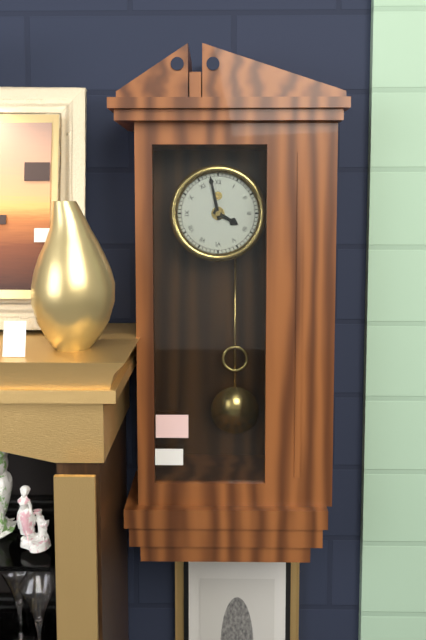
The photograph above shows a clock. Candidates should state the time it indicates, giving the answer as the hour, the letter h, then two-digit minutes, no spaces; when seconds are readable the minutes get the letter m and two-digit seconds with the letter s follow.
3h58
